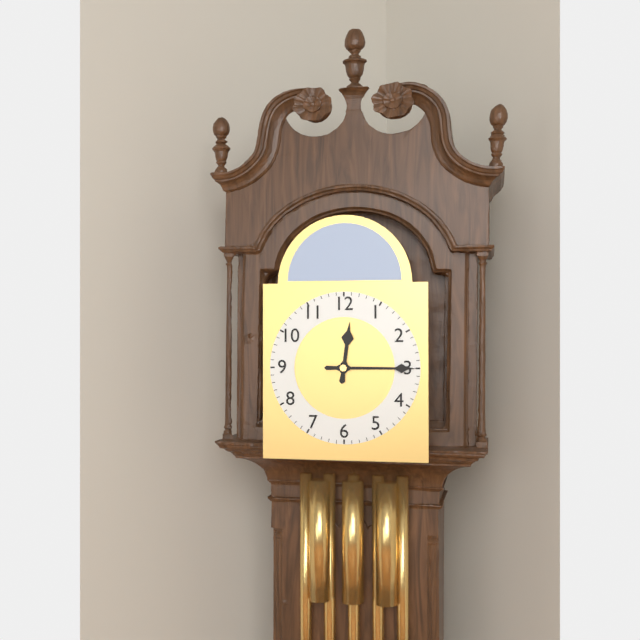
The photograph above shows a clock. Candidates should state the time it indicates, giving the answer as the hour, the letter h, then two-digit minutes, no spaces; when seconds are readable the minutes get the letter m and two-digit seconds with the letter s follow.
12h15
